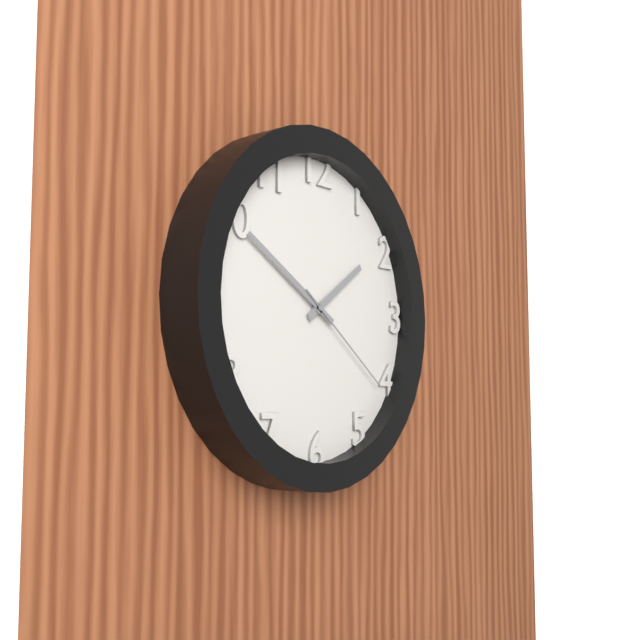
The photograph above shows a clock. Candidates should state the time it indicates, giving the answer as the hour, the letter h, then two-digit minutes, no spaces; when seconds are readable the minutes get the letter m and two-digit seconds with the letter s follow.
1h50m21s
